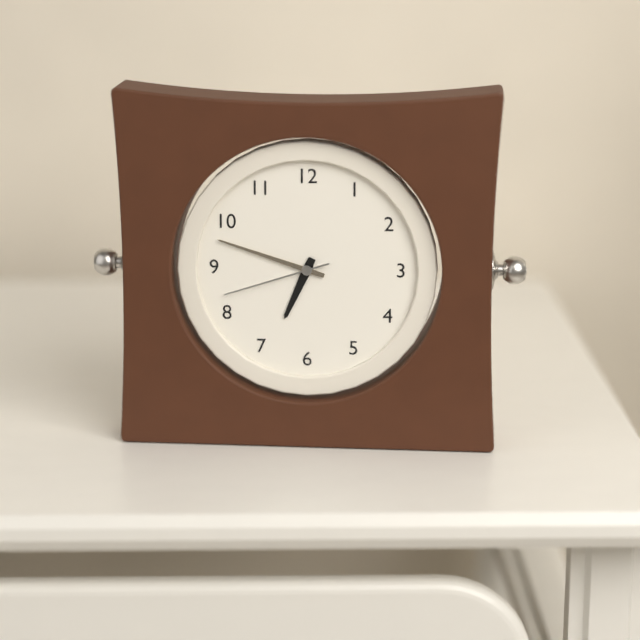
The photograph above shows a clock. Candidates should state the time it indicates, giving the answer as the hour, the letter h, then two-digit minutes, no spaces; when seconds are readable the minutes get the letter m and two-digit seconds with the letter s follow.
6h48m42s
